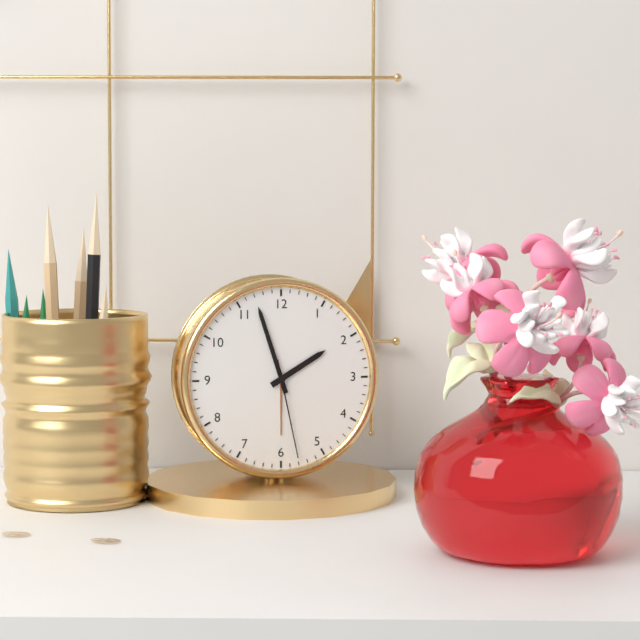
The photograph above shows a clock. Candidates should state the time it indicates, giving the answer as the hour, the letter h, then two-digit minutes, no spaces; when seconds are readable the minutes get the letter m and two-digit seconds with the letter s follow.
1h57m28s
